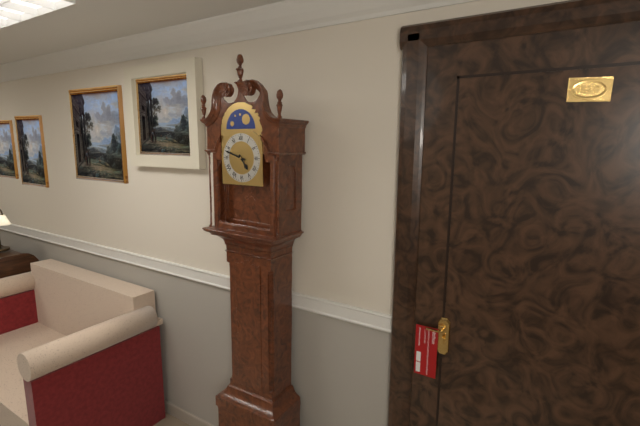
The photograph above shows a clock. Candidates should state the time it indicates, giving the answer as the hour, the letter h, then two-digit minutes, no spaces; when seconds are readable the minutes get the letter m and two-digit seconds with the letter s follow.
4h48
